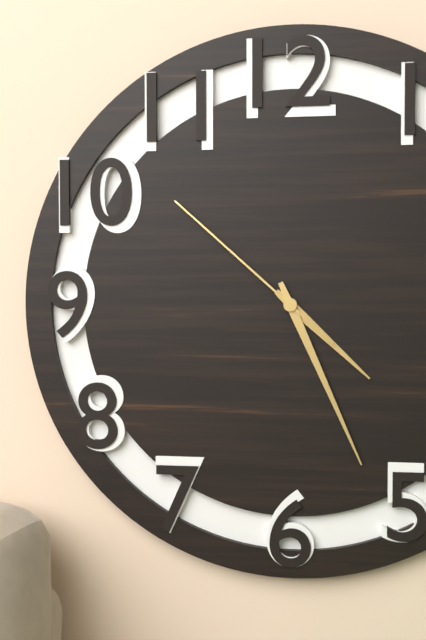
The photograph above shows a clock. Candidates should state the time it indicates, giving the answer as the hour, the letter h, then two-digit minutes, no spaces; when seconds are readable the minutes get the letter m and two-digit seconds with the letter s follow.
4h26m52s
